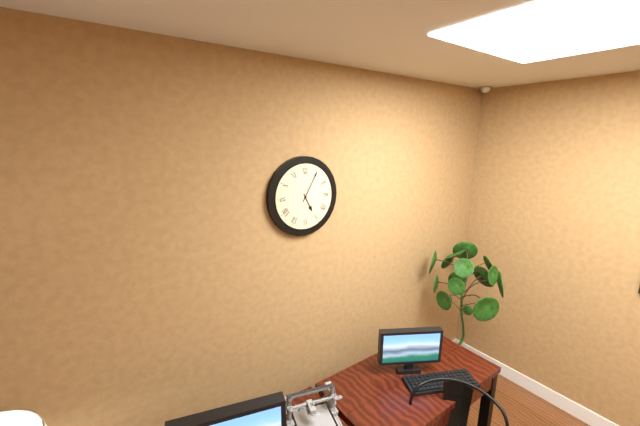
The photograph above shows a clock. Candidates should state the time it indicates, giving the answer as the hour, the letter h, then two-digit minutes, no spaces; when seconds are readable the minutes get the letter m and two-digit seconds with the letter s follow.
5h05
